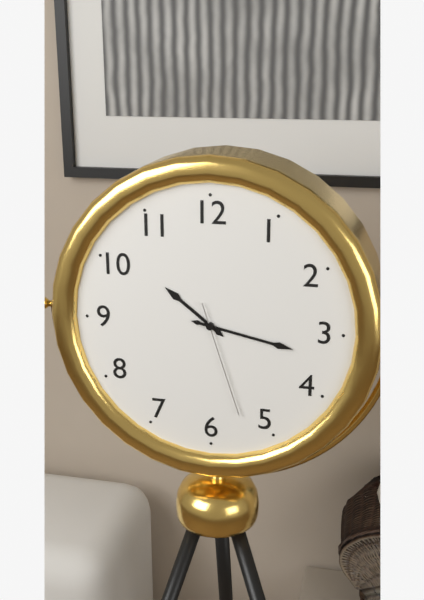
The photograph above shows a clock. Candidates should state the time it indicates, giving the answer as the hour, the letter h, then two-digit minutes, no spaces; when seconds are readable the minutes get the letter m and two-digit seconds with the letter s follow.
10h17m27s
